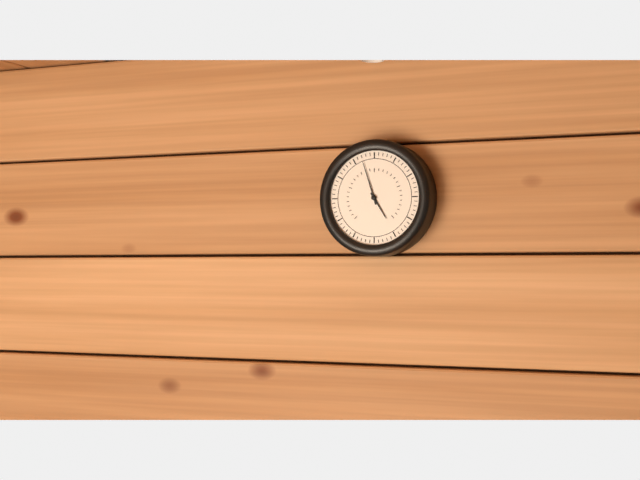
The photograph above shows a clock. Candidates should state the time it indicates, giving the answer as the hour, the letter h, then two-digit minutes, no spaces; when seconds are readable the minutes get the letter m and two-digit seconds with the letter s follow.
4h57
